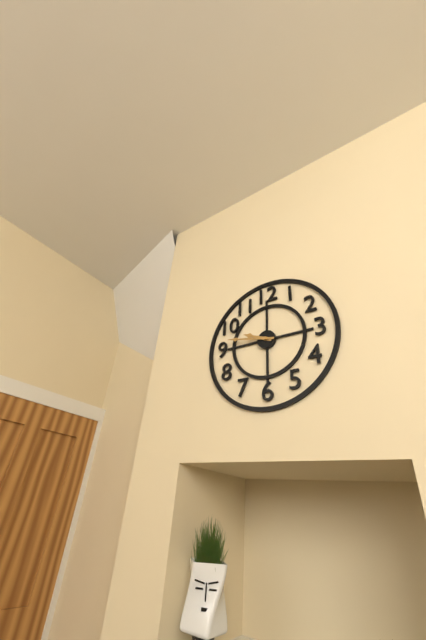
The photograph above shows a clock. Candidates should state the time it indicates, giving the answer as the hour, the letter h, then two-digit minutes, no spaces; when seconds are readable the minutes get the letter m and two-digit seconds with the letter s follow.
9h47
